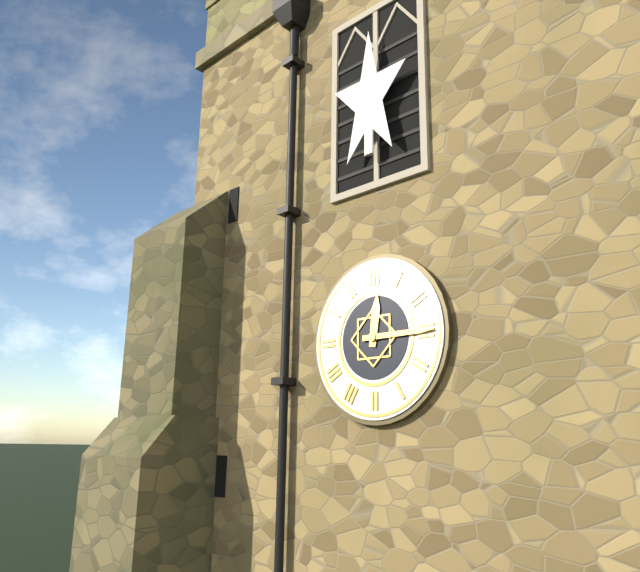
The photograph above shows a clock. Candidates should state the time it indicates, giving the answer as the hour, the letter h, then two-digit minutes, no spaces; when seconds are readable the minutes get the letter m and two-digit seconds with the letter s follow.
12h15
